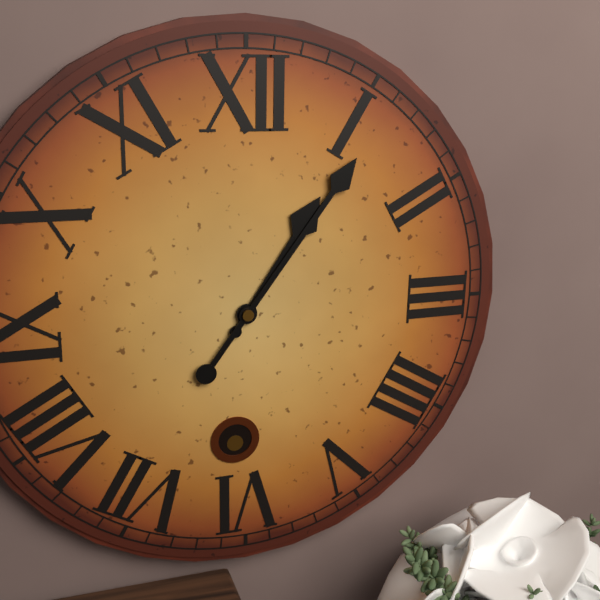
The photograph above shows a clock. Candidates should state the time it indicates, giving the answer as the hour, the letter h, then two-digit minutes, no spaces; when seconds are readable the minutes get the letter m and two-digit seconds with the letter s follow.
1h06
